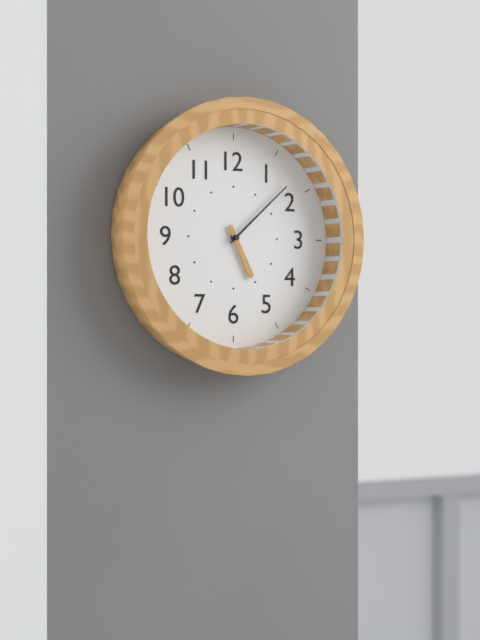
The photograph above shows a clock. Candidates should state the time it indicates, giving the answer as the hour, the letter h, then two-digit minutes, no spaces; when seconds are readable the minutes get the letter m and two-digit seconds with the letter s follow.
5h08
